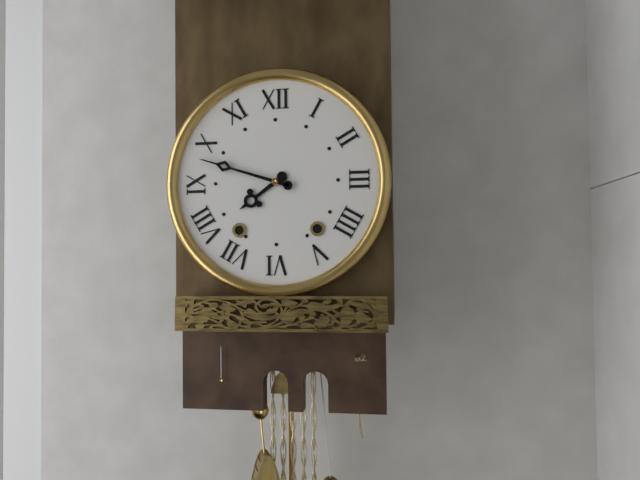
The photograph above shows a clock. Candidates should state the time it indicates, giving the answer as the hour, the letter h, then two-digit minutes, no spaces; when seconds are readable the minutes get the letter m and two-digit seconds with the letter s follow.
7h48
